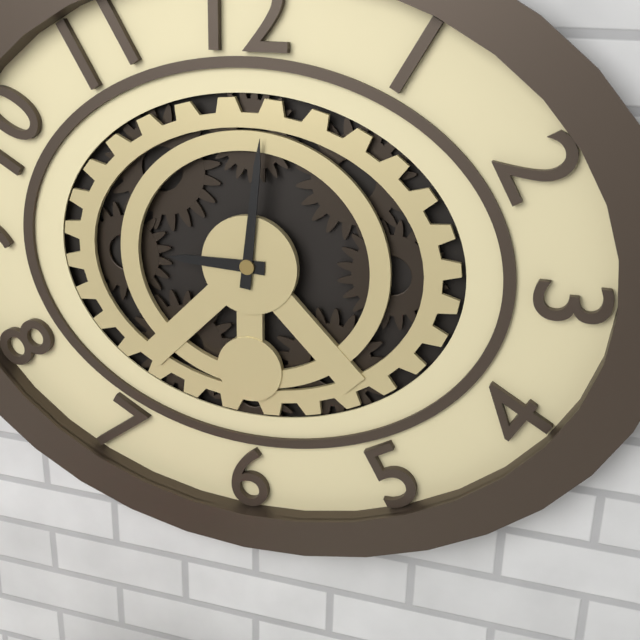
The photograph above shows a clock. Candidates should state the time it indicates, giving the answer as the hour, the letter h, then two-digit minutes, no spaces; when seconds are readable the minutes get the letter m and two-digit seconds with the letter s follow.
9h01
